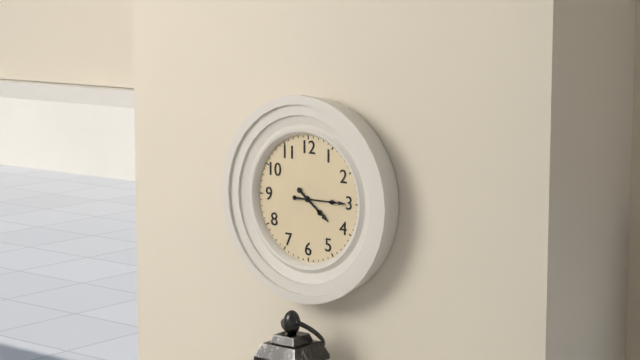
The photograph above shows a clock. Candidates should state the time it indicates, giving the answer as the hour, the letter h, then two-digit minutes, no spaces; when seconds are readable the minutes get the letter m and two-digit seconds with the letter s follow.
4h15
